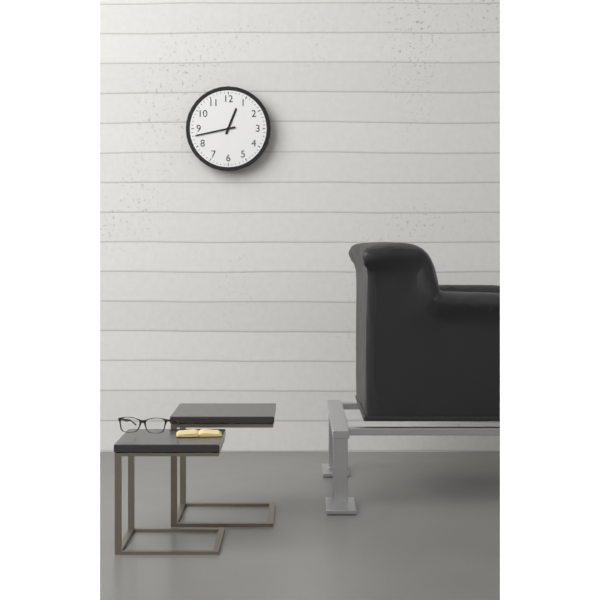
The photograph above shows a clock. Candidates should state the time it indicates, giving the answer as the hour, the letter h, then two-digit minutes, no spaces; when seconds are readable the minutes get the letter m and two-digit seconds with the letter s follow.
12h43
